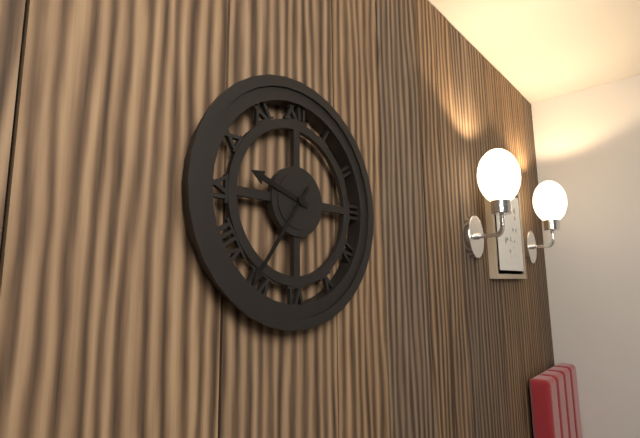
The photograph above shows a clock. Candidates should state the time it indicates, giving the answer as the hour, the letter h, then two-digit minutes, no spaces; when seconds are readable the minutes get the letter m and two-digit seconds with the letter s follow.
9h36
